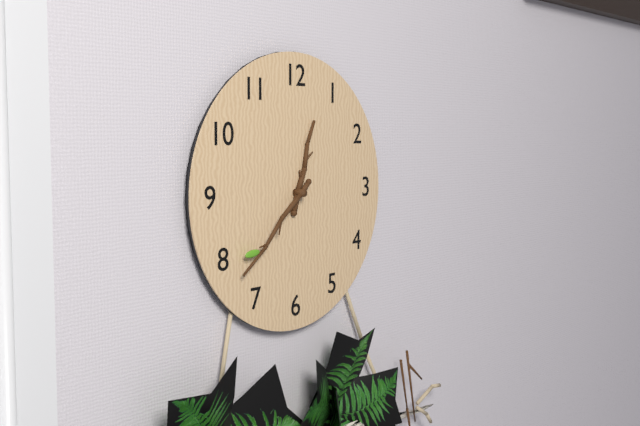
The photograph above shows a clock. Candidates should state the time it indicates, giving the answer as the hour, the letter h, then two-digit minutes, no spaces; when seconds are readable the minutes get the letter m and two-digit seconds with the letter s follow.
12h38
